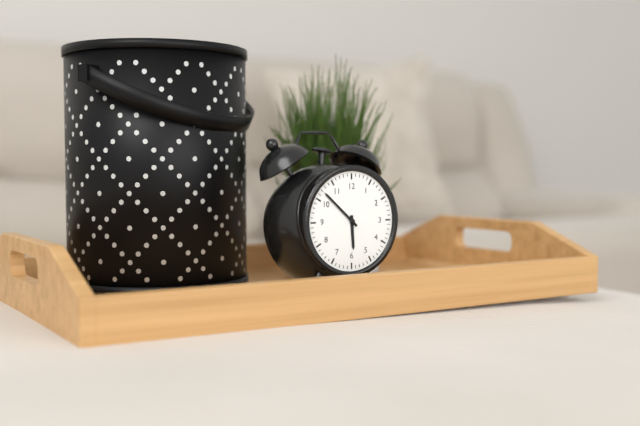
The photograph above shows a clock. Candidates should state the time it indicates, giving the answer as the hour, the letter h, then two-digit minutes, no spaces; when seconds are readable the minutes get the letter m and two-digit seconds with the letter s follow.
5h52
